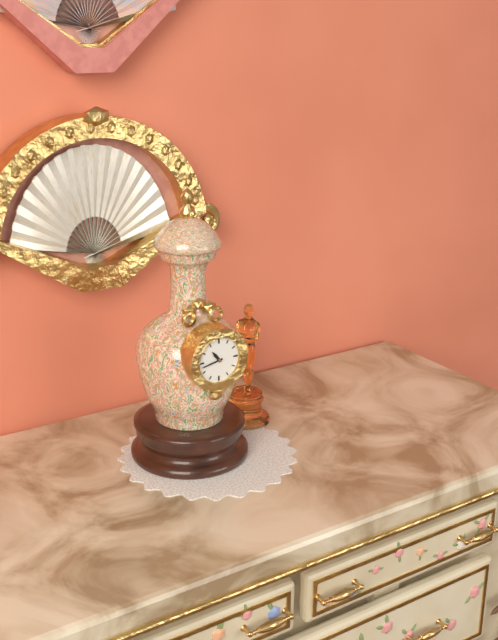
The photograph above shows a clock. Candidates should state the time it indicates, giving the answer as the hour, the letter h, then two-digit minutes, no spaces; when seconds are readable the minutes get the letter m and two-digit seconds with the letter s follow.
10h43
